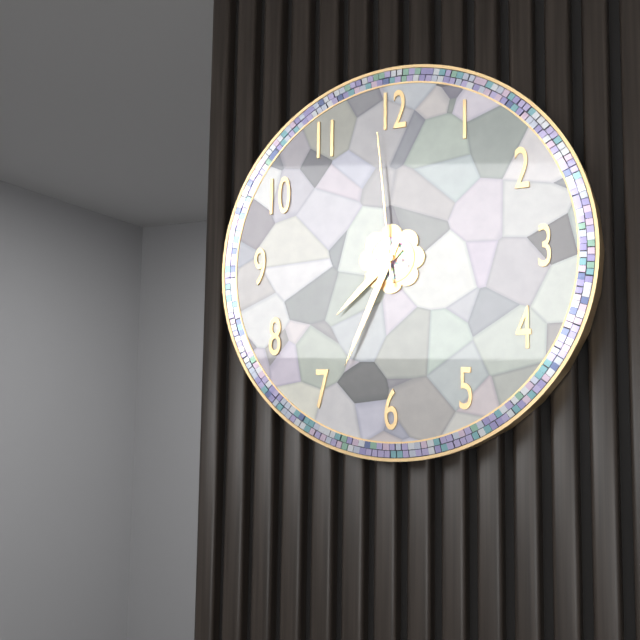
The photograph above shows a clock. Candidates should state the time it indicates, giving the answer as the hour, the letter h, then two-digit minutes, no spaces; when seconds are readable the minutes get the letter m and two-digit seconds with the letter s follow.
7h34m59s
